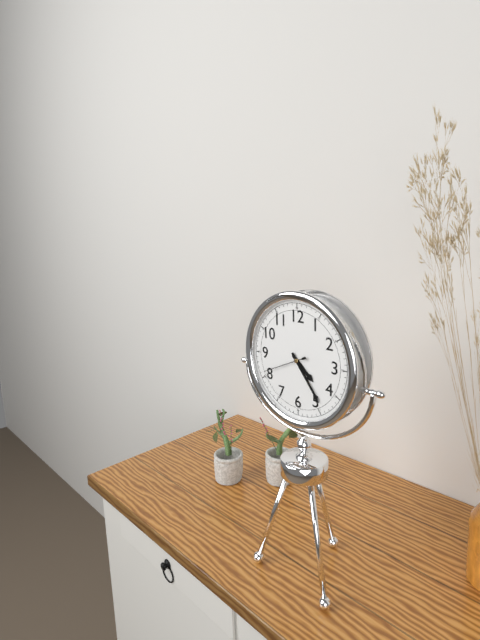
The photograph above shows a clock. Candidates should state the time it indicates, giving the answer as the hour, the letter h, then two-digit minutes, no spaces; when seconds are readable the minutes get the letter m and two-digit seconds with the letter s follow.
4h24
